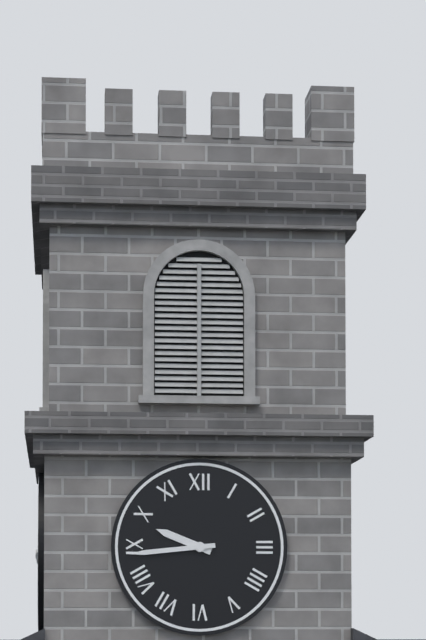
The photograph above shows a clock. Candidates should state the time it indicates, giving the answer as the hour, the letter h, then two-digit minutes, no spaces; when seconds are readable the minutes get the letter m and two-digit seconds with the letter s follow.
9h44
